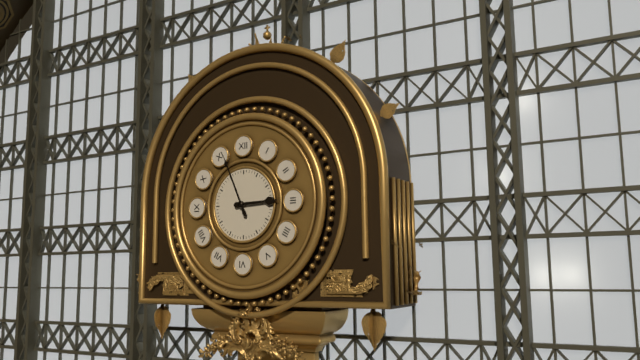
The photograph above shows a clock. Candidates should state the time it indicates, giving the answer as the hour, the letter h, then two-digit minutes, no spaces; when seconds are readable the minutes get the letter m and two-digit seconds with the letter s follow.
2h56
